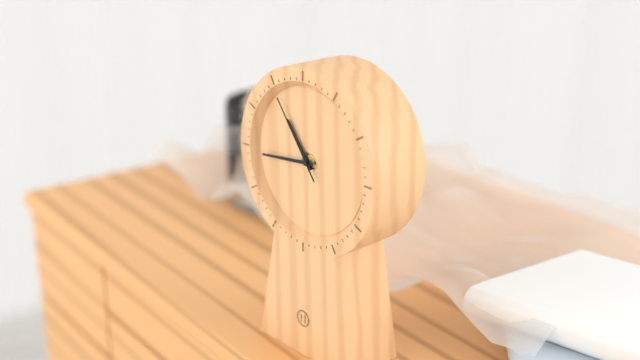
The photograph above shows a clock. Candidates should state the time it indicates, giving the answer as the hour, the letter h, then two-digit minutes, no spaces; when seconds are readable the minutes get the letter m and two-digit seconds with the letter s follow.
10h44m54s
